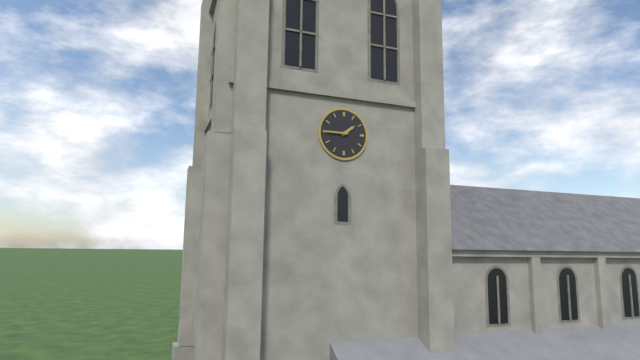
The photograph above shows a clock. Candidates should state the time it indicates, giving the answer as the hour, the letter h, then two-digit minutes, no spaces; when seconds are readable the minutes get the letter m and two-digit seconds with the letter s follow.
1h45
